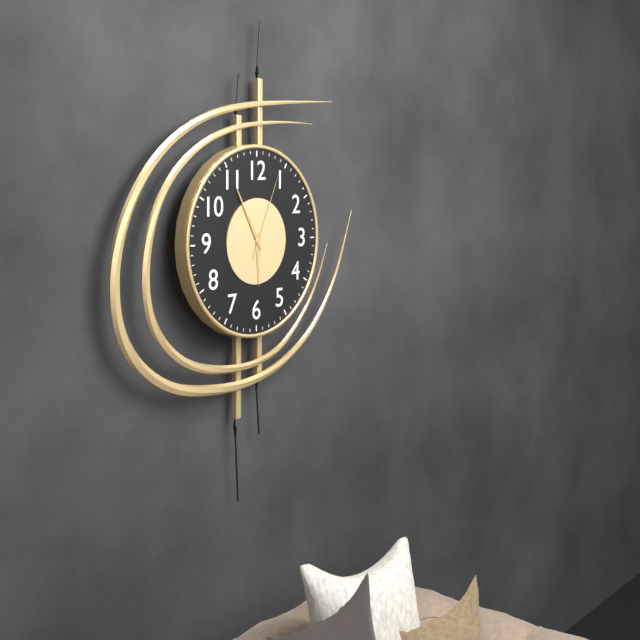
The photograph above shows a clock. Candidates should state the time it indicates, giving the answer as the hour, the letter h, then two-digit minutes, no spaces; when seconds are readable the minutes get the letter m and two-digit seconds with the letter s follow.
5h55m04s
